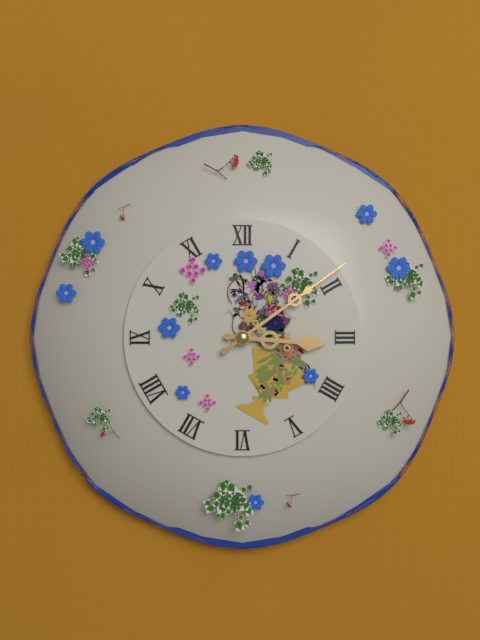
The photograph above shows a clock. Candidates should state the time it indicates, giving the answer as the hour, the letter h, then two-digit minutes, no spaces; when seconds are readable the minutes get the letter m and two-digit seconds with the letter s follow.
3h09
